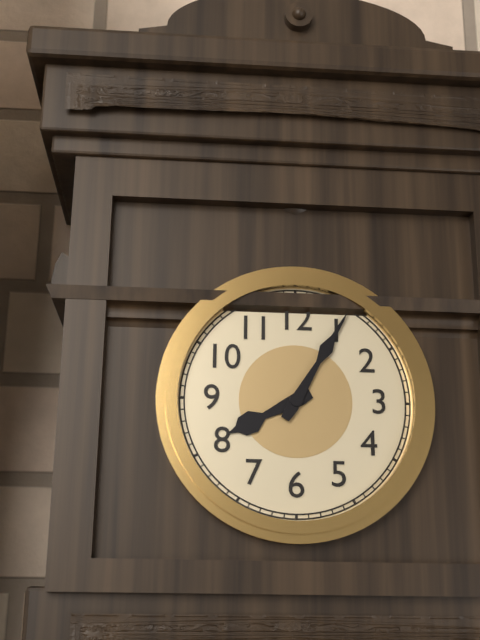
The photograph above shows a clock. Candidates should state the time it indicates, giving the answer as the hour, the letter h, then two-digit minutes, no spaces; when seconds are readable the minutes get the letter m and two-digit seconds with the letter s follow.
8h05
